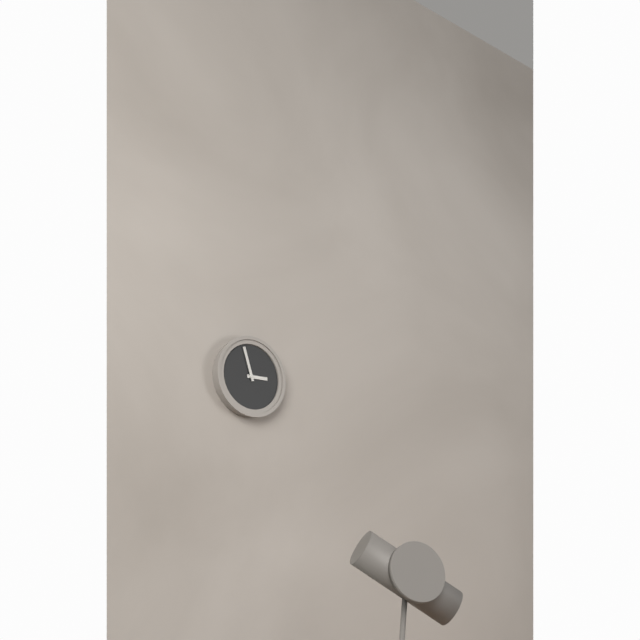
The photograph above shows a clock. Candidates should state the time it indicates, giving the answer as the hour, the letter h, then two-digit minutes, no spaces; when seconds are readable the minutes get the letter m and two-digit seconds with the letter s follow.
2h57
